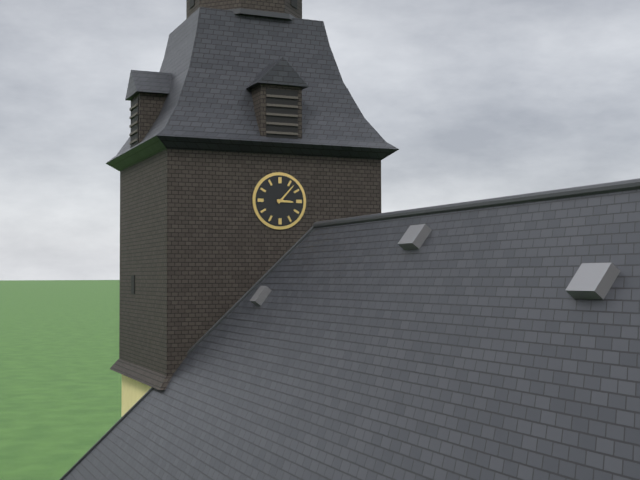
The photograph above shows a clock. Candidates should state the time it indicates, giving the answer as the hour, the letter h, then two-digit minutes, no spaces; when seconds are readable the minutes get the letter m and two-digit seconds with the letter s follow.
3h07
